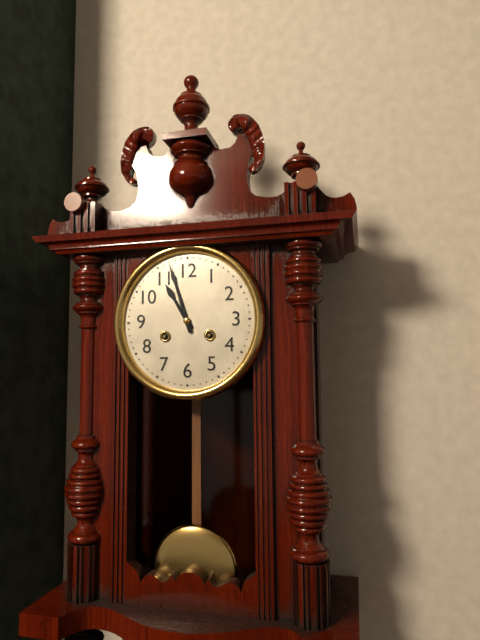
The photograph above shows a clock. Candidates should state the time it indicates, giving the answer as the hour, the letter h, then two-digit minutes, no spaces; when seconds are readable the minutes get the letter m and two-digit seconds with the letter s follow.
10h57
